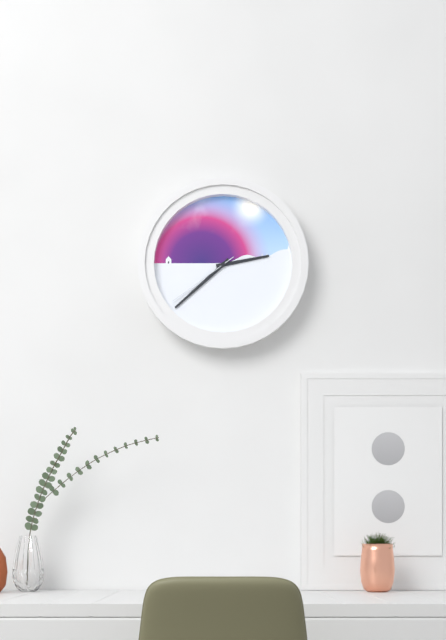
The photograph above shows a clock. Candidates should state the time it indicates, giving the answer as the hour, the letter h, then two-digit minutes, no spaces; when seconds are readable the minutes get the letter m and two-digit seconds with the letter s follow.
2h38m39s
